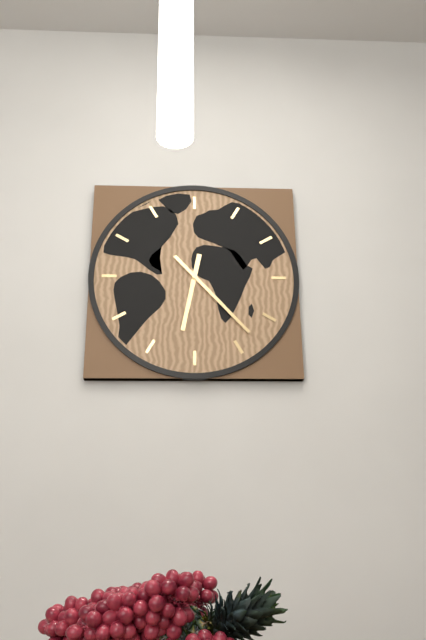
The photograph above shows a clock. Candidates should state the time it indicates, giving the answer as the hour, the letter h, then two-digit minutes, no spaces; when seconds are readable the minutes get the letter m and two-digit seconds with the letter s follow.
6h23
